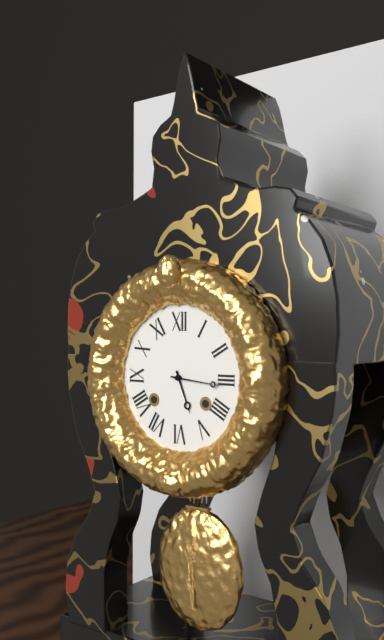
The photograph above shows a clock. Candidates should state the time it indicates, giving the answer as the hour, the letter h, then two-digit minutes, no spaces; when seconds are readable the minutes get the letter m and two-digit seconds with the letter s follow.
5h16
